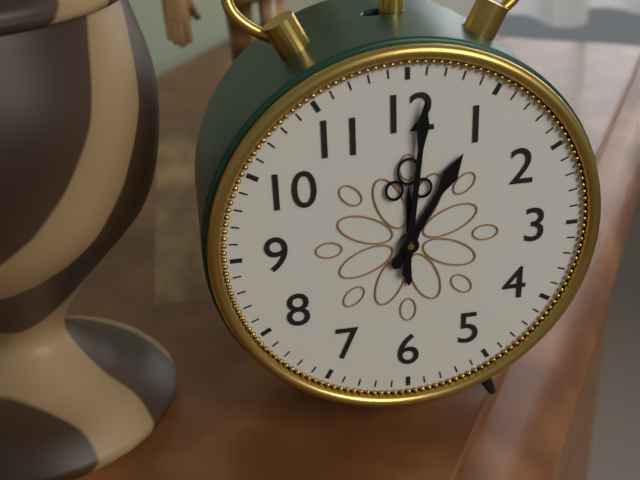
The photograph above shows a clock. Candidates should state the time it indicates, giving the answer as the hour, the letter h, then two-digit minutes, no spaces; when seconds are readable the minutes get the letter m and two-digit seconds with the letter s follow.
1h01
